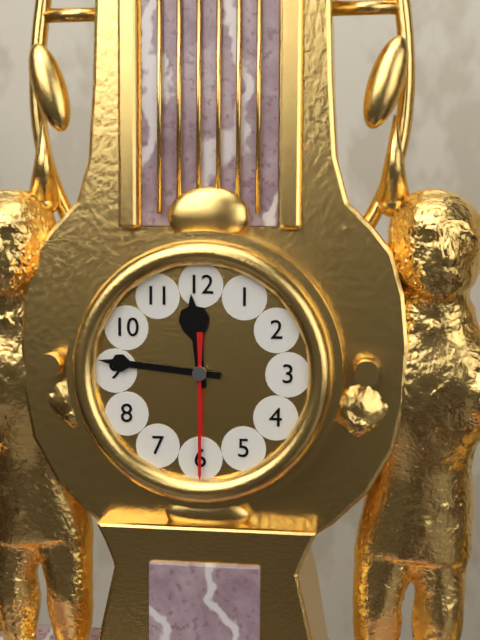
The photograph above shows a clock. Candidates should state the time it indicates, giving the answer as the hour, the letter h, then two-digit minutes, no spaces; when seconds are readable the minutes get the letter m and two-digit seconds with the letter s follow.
11h46m30s
